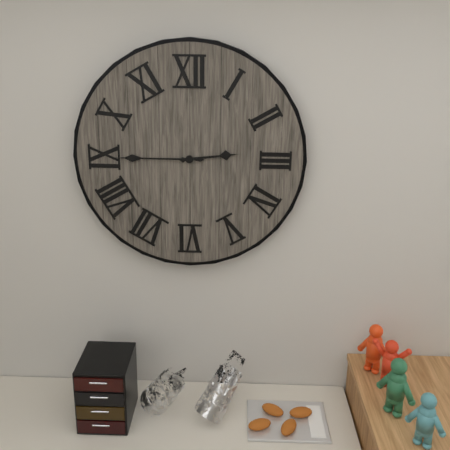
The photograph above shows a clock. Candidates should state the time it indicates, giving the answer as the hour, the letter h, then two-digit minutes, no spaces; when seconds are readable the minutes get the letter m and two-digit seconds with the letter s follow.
2h45
